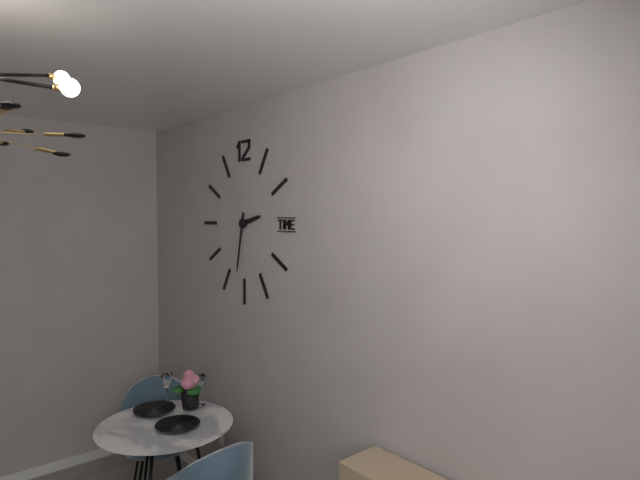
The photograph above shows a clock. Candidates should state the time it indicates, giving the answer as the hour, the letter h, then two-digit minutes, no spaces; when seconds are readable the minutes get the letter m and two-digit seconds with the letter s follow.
2h32
